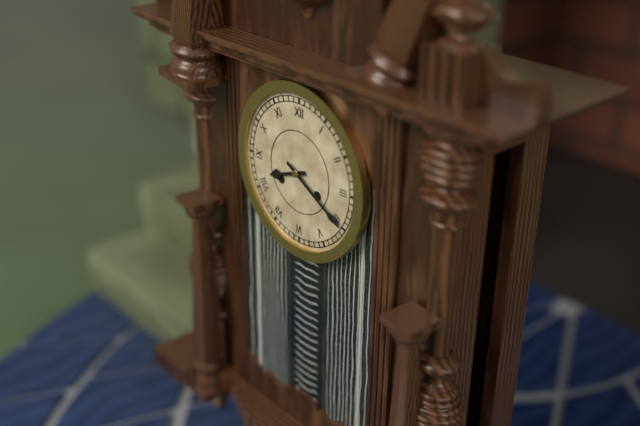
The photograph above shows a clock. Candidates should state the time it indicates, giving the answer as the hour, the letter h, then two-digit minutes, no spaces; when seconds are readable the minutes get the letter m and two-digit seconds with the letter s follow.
8h20
